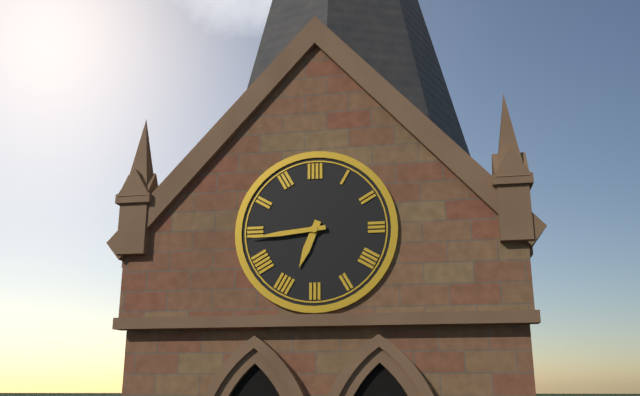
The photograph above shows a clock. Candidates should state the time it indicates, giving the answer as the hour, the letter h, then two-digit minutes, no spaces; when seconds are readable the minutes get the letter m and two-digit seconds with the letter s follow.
6h44
